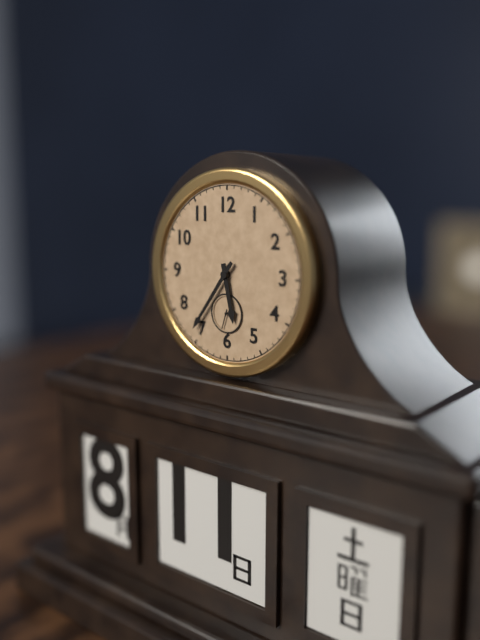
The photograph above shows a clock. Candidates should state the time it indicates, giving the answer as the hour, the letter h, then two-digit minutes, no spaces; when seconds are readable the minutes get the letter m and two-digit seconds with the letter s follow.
5h36
